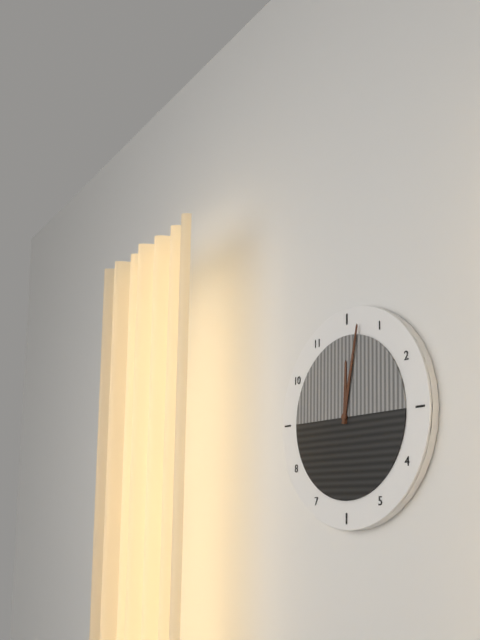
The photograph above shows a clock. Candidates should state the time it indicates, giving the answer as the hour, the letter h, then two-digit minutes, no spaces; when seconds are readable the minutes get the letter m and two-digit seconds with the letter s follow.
12h02
